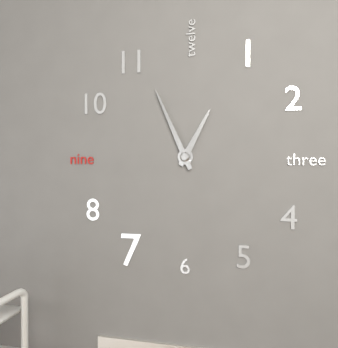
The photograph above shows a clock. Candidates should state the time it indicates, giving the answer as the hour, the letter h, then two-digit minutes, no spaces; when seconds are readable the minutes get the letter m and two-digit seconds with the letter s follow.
12h56
